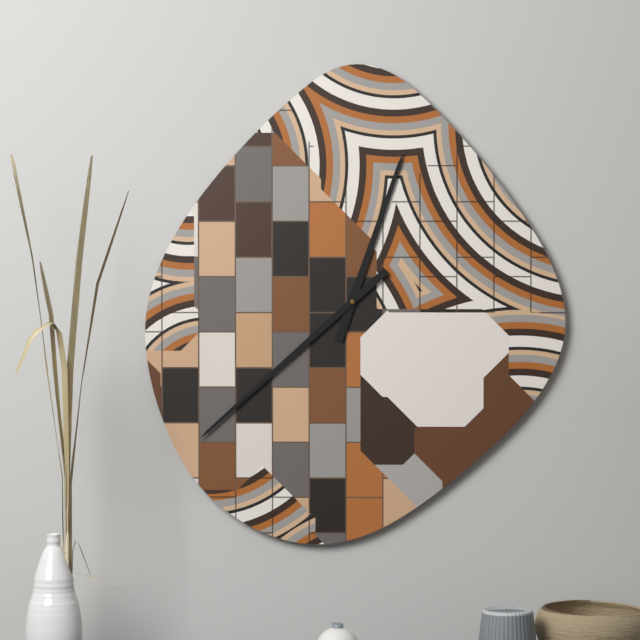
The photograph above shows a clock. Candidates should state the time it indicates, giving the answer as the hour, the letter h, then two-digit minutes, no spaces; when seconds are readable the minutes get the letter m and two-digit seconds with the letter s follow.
12h38
